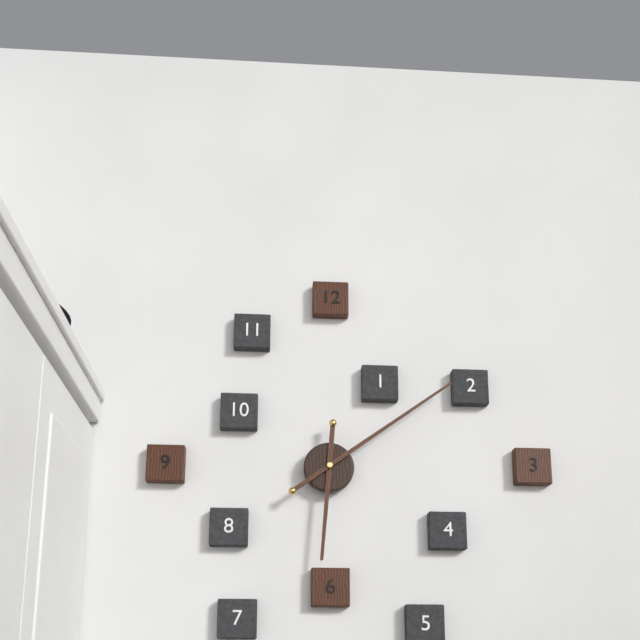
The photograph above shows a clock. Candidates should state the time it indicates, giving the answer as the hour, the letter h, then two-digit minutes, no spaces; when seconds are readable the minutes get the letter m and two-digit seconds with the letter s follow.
6h09
